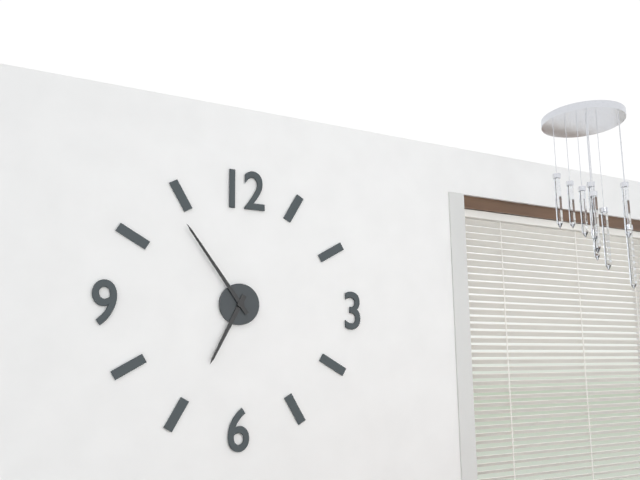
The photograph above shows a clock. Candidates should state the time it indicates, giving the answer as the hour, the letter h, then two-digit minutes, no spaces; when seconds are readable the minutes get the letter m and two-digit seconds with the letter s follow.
6h54
